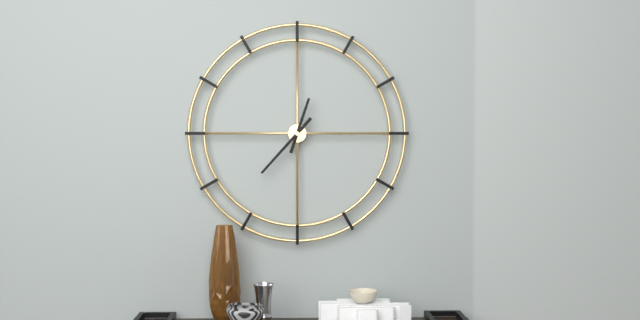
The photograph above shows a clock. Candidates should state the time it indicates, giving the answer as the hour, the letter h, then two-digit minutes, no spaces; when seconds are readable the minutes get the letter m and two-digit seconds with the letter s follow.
12h37
